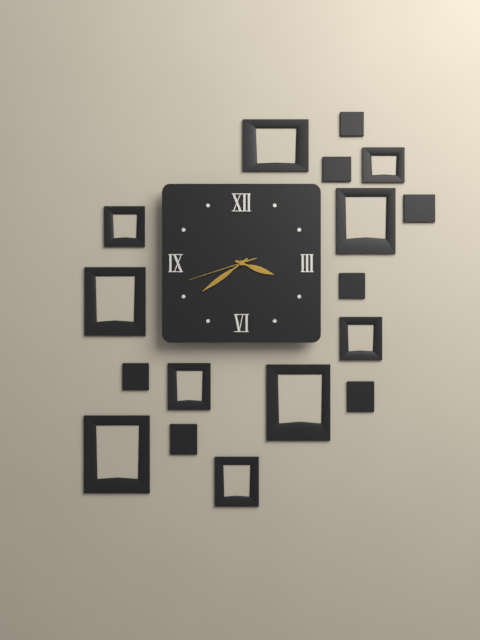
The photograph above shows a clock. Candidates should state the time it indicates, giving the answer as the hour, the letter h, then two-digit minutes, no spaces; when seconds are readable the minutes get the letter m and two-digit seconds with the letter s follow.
3h39m42s
